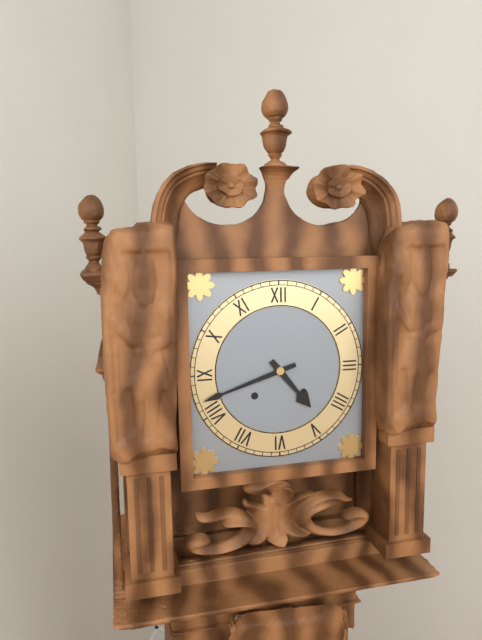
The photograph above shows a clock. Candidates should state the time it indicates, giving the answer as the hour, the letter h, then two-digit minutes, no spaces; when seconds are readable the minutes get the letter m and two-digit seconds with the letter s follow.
4h42
